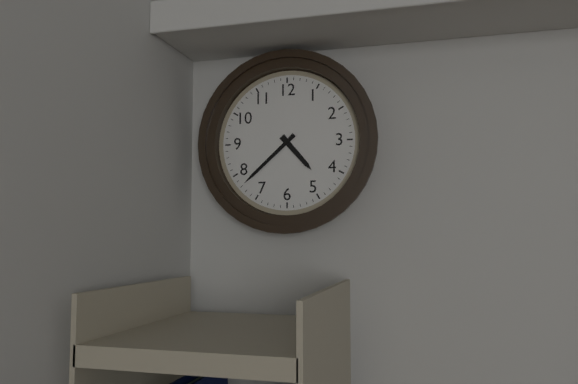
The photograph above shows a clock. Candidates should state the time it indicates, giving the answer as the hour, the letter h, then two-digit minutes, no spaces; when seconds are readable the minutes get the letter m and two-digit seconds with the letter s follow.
4h38
